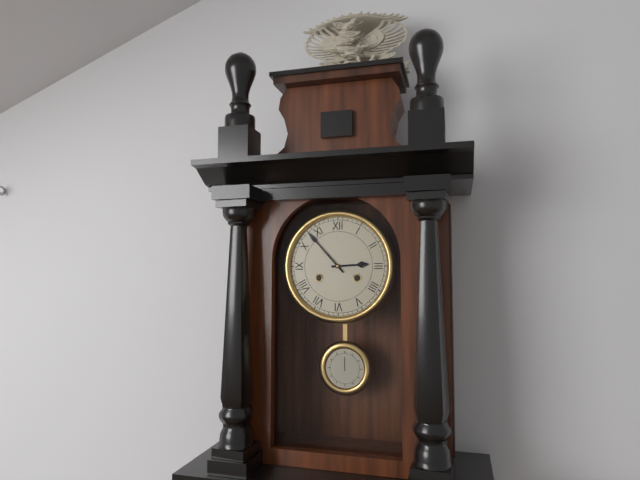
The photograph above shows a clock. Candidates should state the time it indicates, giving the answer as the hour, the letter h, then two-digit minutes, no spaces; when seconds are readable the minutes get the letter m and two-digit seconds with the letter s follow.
2h53
